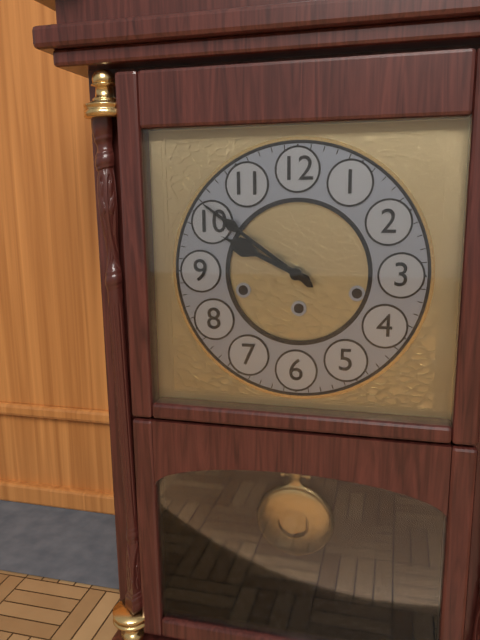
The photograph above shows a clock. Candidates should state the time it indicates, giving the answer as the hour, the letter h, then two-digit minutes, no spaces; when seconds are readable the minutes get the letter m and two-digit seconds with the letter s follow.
9h51
